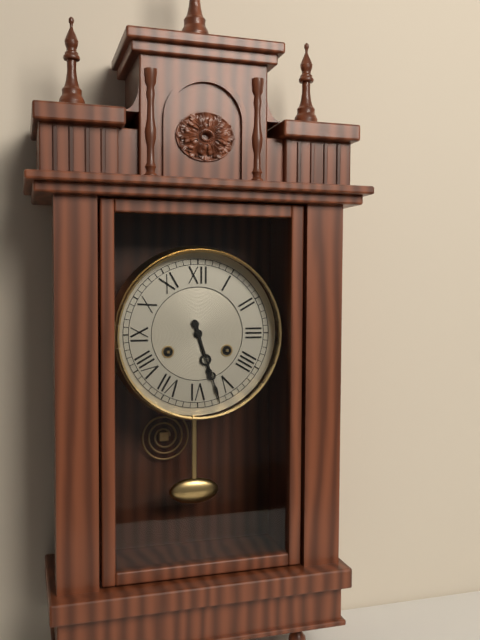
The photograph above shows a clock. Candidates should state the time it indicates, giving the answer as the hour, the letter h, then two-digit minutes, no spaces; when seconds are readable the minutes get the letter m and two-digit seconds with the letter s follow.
5h27
